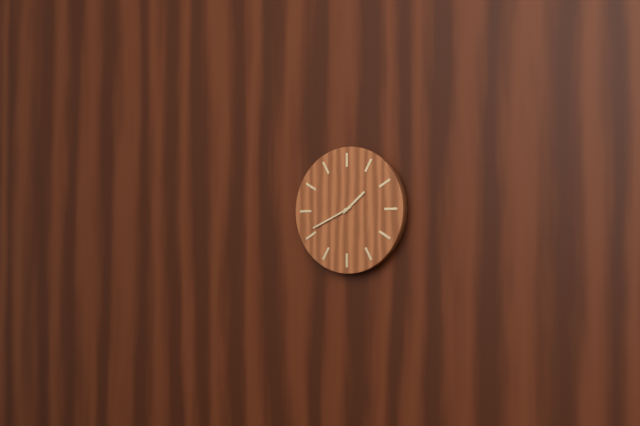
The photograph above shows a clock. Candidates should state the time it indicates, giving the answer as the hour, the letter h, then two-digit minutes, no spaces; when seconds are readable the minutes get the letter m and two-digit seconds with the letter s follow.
1h41
